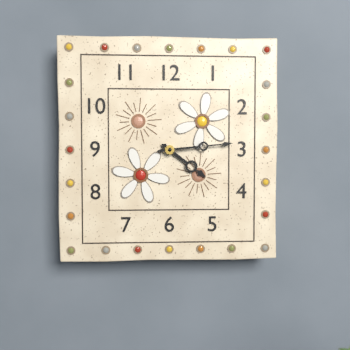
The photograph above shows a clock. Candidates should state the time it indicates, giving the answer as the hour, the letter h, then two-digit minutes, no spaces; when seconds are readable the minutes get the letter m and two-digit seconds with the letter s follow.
4h14
